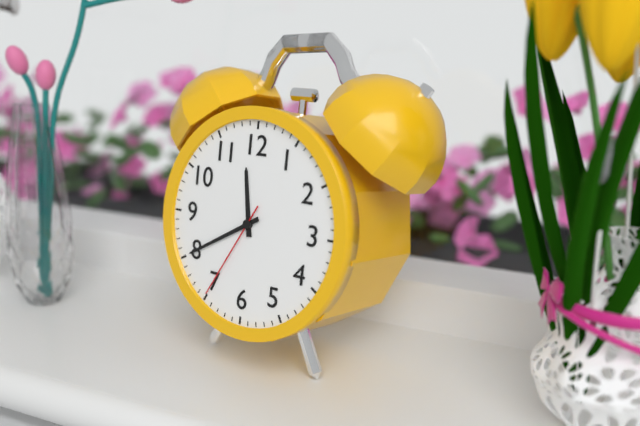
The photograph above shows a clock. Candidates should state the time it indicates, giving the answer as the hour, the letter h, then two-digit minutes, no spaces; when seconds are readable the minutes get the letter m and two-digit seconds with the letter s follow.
11h40m35s
